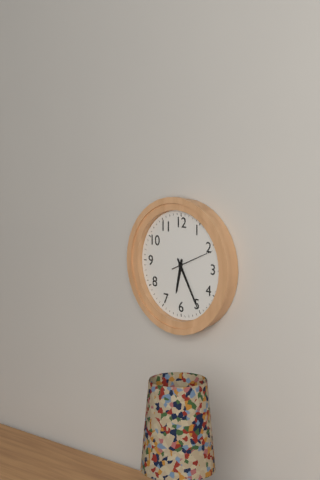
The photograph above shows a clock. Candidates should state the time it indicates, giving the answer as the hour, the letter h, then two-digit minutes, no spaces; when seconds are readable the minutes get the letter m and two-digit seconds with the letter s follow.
6h25
